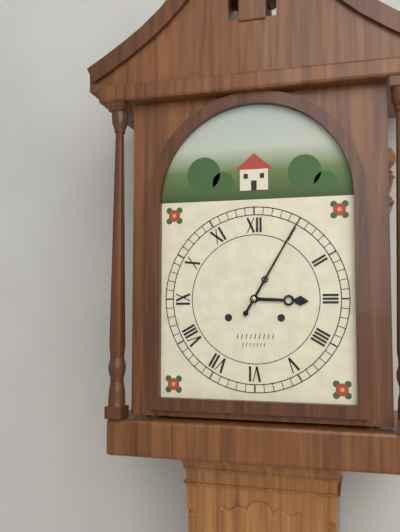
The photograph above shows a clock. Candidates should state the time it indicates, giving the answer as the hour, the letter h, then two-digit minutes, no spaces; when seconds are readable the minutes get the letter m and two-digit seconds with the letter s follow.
3h05
